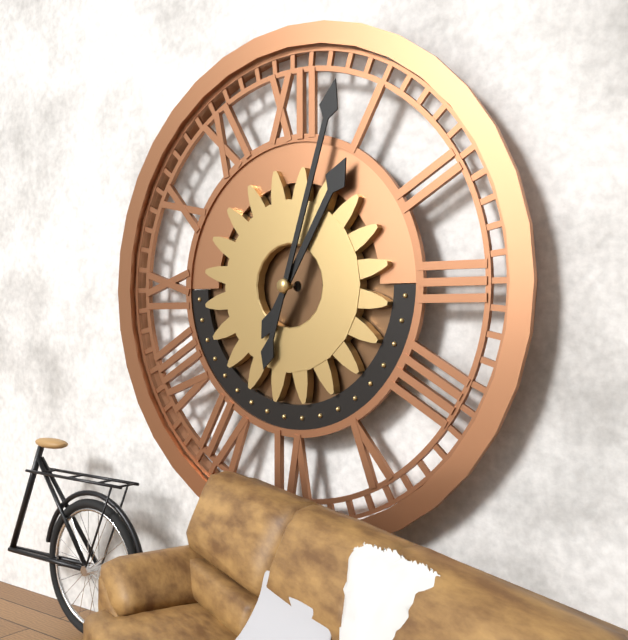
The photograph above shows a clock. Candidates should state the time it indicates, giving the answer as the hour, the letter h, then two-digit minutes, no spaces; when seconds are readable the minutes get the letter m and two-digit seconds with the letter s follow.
1h03
